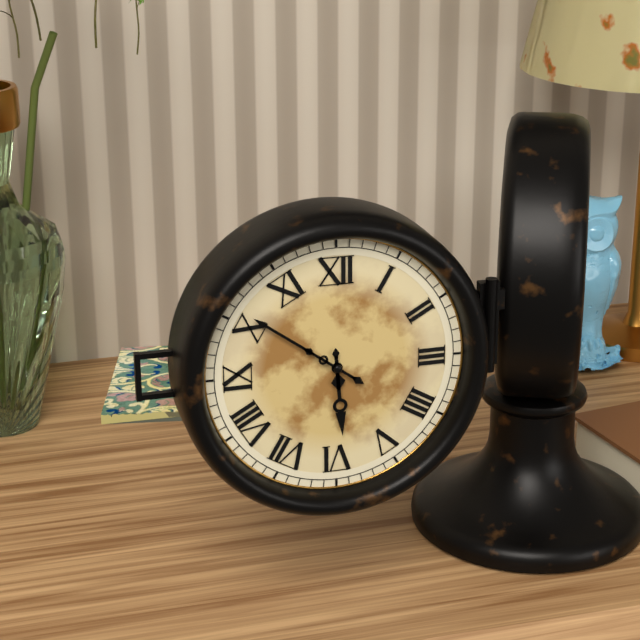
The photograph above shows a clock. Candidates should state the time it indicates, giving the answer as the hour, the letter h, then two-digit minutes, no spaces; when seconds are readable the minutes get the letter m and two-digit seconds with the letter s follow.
5h51
